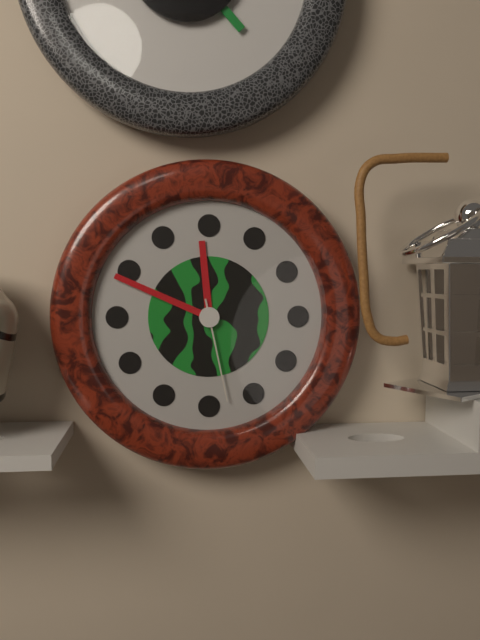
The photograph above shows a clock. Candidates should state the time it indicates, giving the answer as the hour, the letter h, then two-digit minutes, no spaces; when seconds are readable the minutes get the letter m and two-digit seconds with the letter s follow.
11h49m28s
